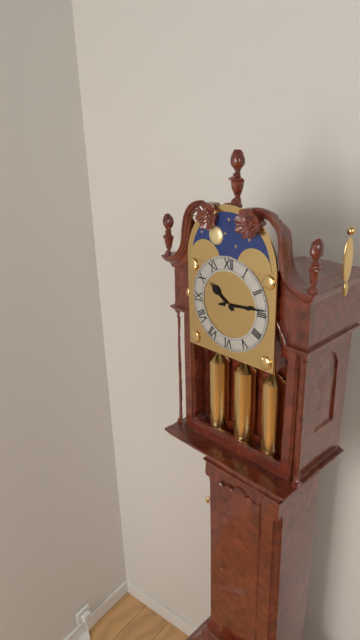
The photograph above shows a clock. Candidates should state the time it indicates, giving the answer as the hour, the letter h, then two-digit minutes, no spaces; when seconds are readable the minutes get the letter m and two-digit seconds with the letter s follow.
10h14
